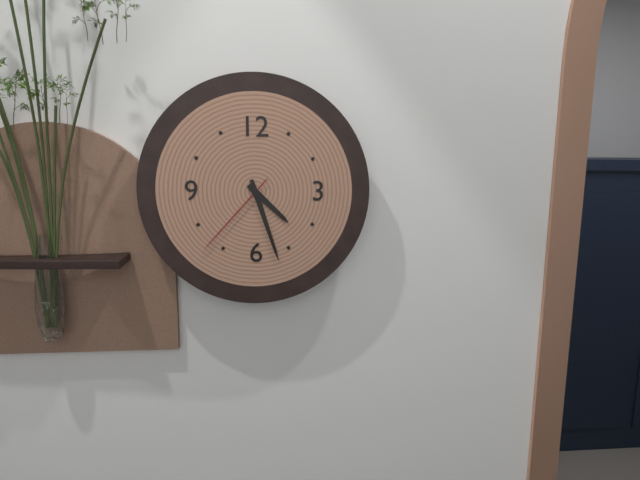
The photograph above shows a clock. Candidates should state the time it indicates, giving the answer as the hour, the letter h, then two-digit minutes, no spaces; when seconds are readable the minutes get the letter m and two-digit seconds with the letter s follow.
4h27m37s
